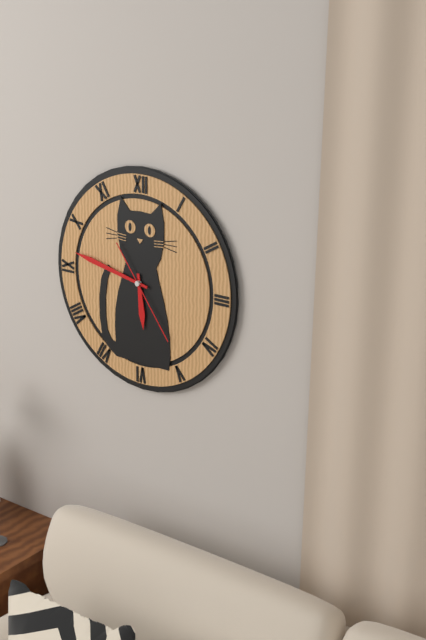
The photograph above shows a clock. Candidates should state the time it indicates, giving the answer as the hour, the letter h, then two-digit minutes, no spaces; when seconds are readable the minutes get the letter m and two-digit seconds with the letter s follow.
5h47m24s
